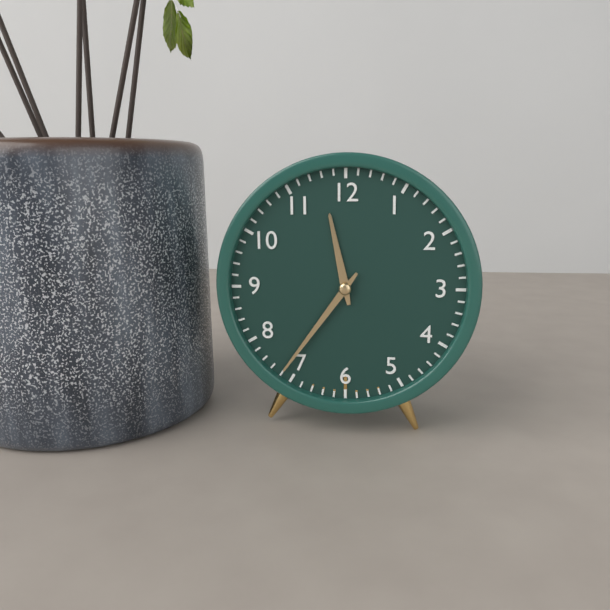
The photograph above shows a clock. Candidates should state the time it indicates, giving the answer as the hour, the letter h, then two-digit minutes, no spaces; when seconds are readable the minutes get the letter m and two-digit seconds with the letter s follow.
11h36
